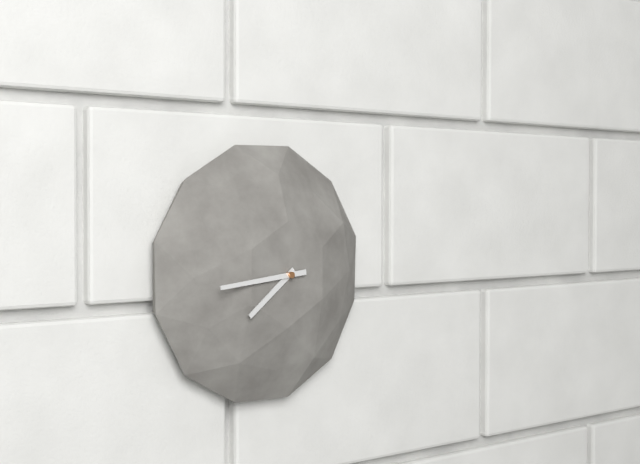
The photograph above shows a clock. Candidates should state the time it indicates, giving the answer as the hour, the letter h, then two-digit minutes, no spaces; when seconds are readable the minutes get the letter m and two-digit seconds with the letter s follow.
7h44
